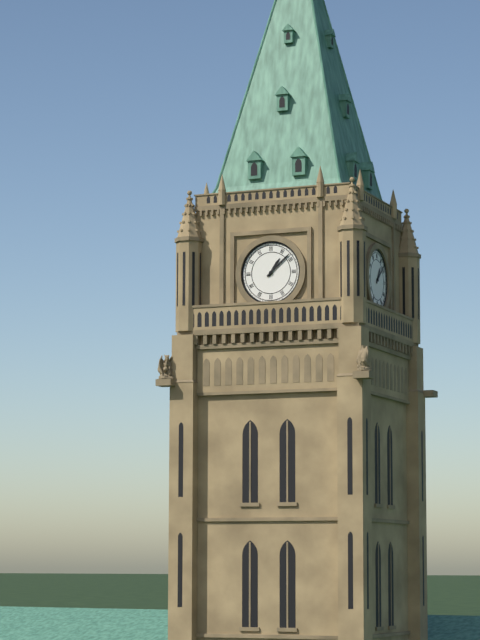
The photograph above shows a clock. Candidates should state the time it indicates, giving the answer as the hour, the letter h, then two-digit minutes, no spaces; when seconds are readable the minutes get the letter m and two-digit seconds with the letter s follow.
1h08
